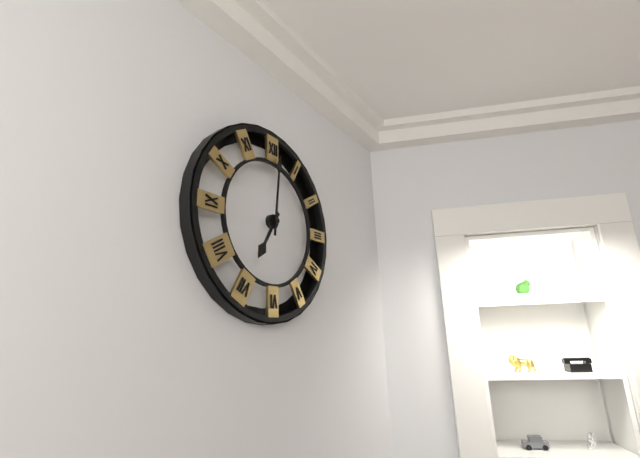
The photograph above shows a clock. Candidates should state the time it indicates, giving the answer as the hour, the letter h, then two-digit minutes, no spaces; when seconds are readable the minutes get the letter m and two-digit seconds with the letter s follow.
7h01
